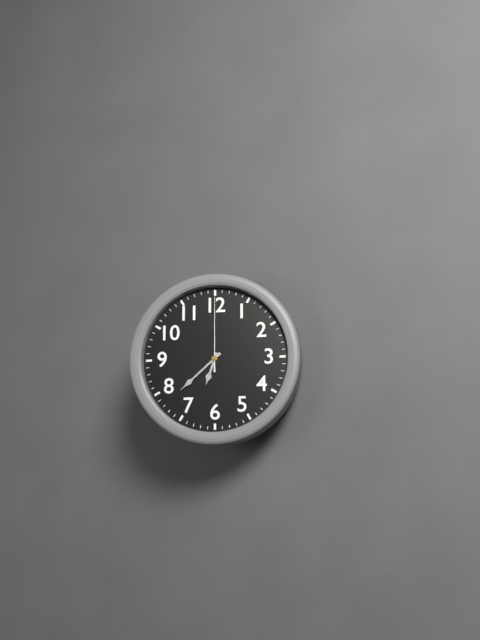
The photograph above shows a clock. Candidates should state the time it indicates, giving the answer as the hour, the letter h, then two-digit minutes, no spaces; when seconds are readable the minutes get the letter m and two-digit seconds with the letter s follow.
6h38m00s
